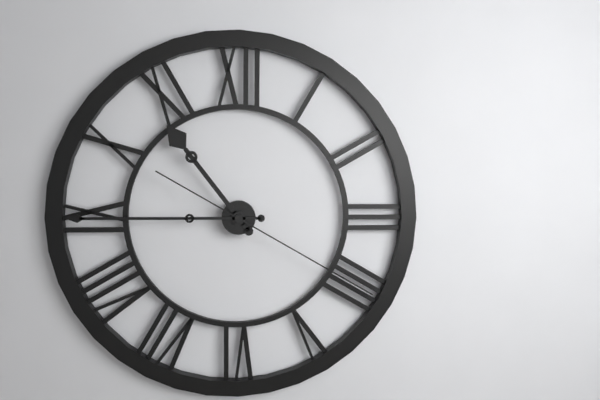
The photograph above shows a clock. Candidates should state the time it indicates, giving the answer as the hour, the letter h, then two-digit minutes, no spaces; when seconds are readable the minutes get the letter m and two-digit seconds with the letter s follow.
10h45m20s
